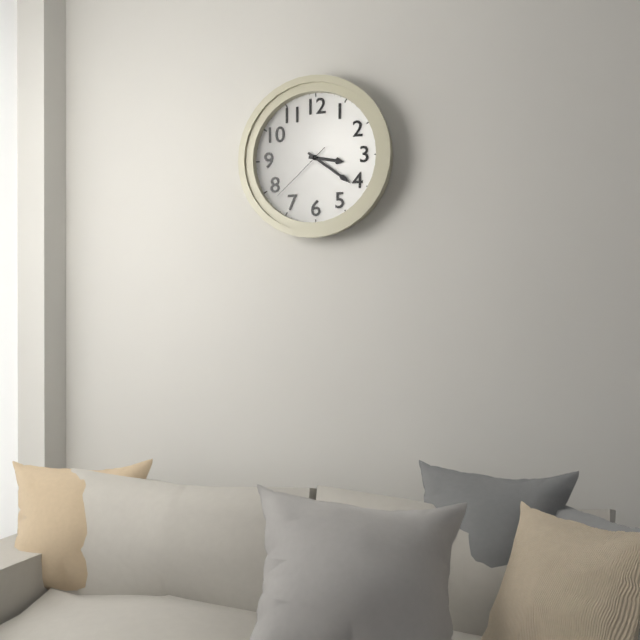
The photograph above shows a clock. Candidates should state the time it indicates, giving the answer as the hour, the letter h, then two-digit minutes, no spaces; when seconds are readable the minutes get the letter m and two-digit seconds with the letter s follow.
3h21m38s
